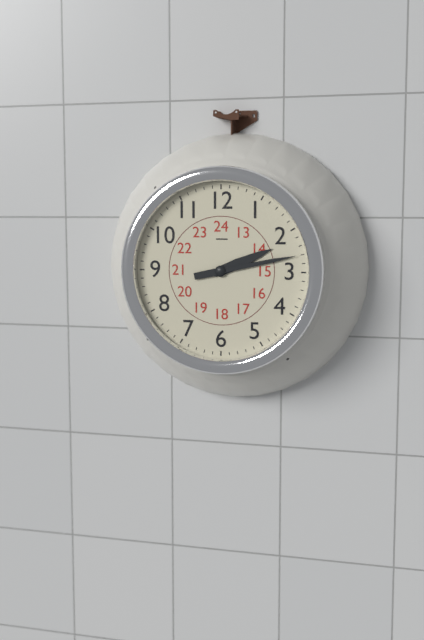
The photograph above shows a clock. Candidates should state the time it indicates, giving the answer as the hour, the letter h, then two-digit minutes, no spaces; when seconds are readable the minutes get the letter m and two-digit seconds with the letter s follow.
2h13
